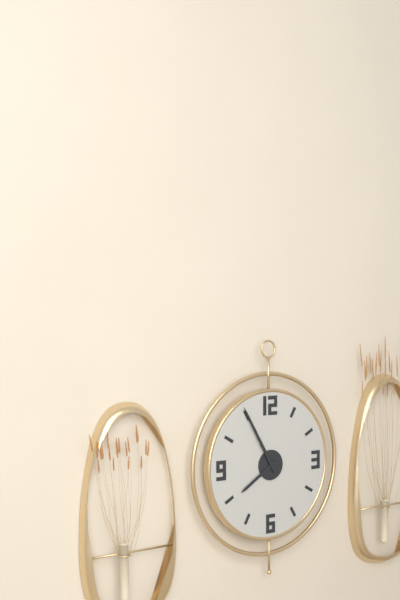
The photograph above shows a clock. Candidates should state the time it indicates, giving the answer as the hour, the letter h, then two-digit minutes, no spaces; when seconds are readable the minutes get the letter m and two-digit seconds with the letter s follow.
7h55
